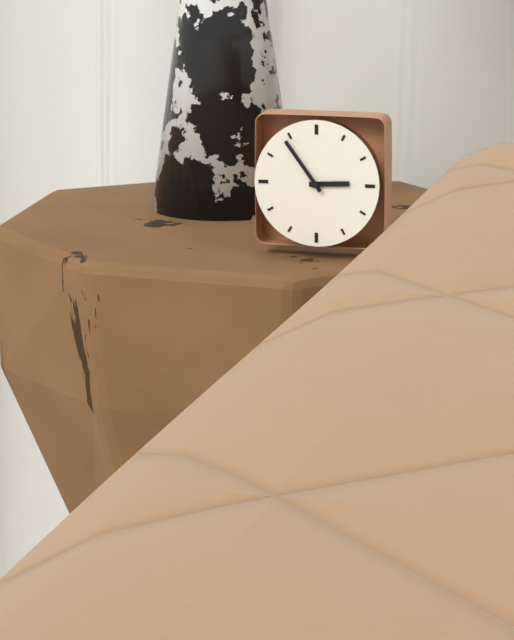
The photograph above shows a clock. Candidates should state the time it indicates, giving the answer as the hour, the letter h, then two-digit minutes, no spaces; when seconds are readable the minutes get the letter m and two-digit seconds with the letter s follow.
2h54
